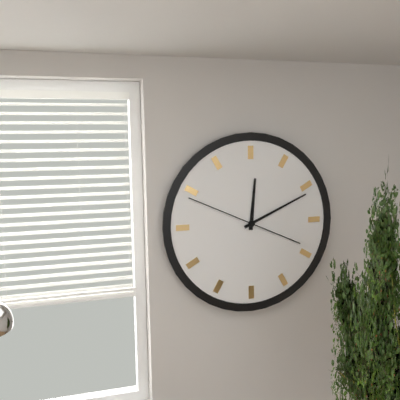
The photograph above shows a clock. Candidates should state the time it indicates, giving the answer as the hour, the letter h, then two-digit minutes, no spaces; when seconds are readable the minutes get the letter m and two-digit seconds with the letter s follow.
12h11m49s
